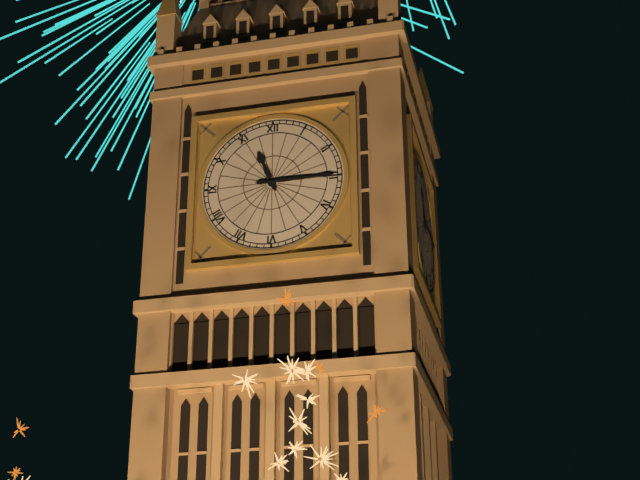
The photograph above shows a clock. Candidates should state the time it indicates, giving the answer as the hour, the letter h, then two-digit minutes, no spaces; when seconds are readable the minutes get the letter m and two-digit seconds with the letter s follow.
11h15
